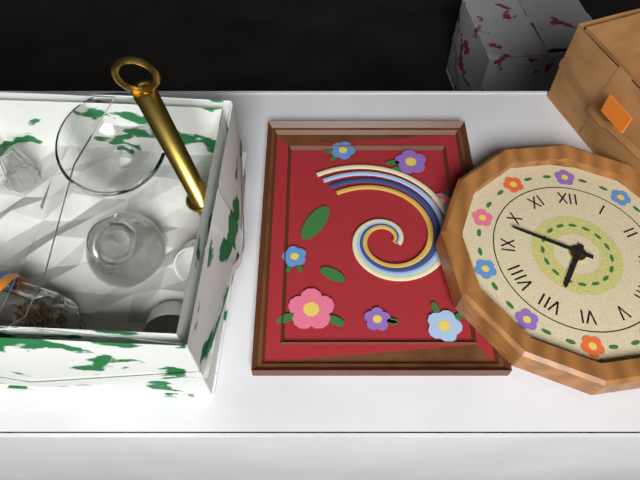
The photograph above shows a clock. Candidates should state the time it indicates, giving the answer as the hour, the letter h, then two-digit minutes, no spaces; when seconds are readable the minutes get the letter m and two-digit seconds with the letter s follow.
6h48
